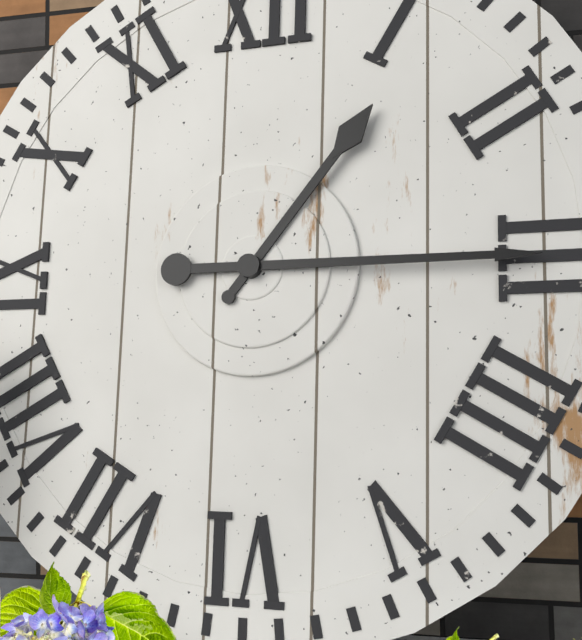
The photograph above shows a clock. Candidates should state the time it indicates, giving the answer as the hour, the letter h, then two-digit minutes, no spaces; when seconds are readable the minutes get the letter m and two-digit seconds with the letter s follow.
1h15
